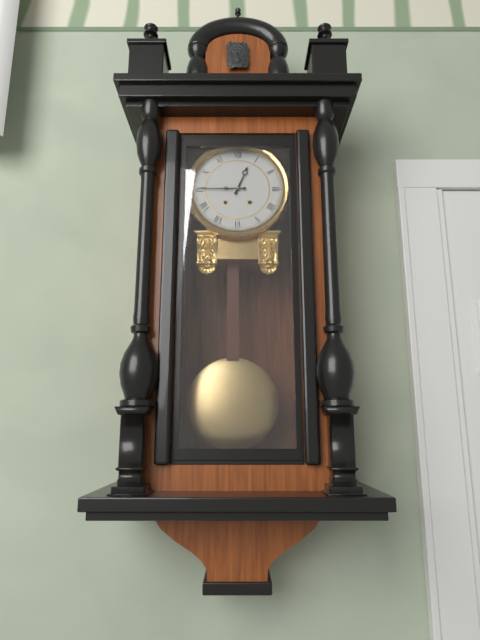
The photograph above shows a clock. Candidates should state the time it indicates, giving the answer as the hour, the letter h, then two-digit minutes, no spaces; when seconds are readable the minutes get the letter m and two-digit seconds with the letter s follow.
12h45
